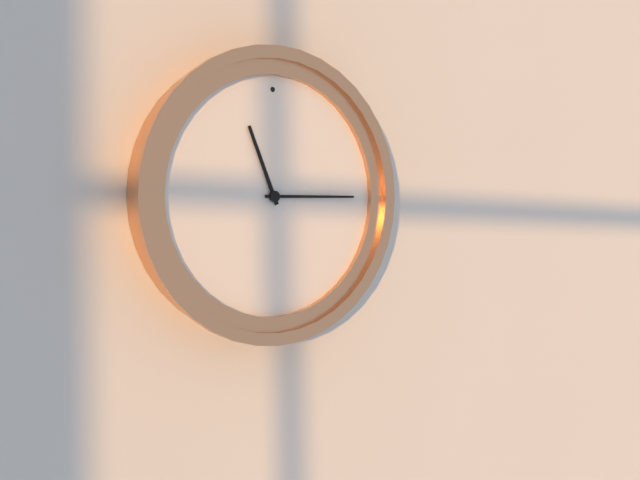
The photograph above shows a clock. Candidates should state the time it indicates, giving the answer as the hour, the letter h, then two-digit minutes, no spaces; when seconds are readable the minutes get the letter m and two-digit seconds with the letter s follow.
11h15
